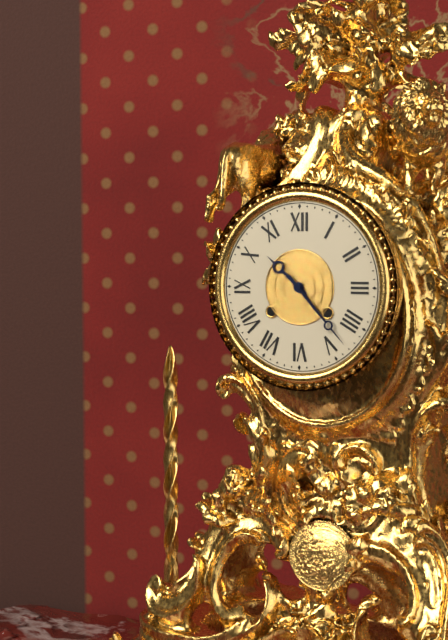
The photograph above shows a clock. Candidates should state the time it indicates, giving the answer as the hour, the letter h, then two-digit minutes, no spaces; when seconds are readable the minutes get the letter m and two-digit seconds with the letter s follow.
10h23
